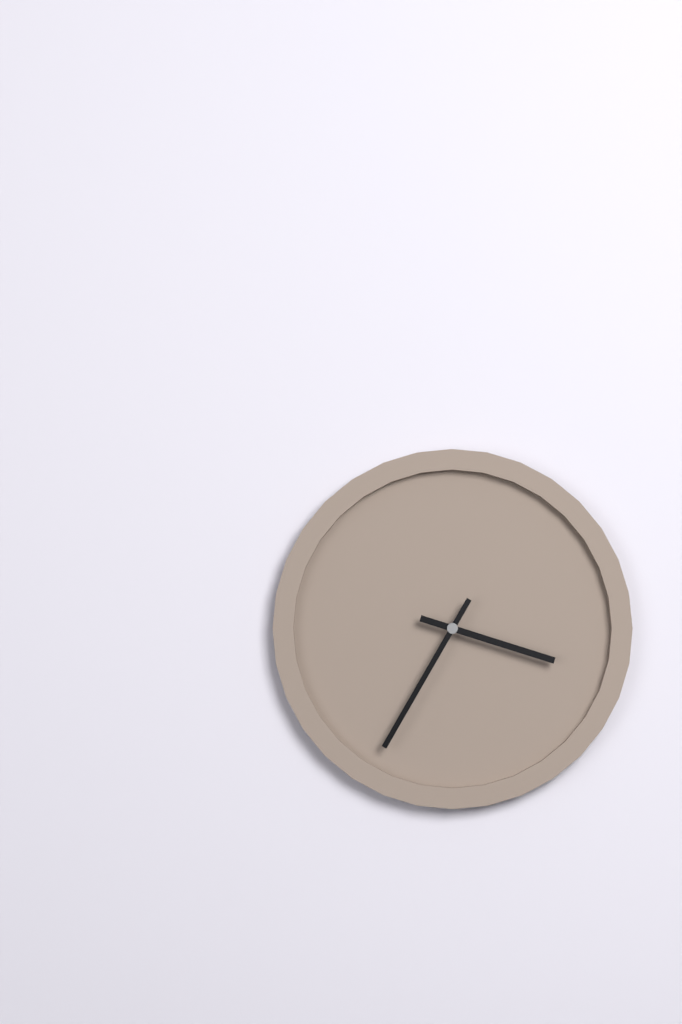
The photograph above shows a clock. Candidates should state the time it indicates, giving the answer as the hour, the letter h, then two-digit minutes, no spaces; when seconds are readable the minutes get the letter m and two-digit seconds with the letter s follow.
3h35
